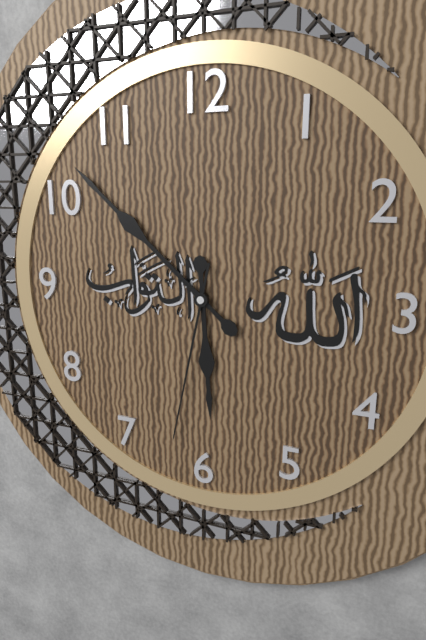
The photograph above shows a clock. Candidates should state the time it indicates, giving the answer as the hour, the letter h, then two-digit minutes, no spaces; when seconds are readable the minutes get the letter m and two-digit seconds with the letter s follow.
5h52m32s
